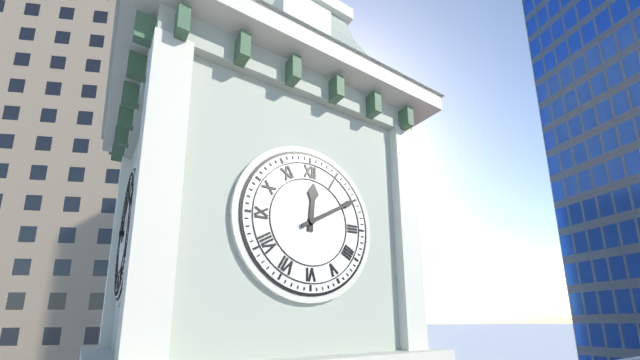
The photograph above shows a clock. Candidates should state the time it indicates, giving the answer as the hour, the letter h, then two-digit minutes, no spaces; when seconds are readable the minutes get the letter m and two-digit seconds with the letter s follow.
12h10
